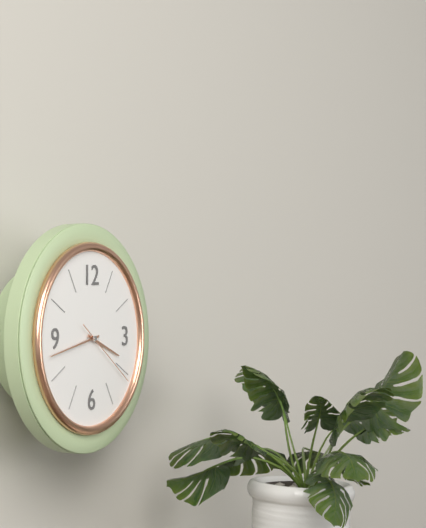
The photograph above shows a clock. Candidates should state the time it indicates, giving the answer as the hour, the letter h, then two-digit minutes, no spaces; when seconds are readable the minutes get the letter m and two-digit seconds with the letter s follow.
3h43m21s
